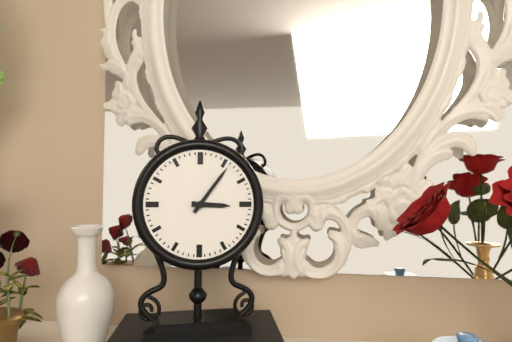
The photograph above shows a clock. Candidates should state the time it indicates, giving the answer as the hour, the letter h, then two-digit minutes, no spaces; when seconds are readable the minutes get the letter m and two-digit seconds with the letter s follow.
3h06
